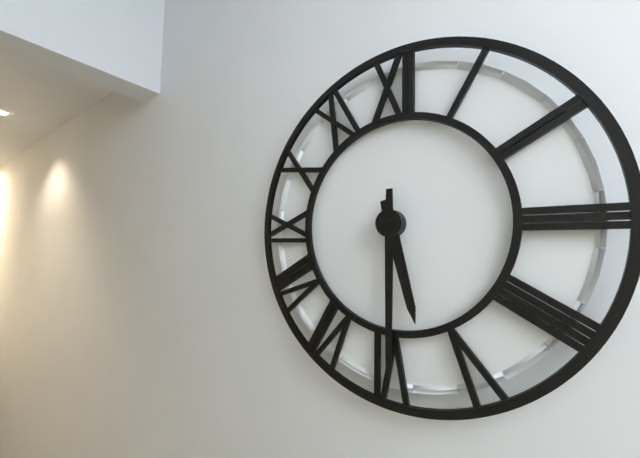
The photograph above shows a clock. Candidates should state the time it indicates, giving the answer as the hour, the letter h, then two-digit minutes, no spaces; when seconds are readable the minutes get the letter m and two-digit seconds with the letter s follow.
5h30
